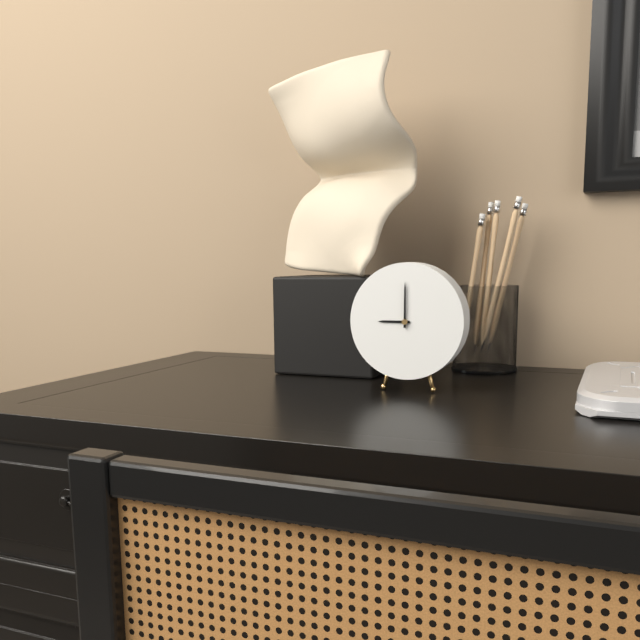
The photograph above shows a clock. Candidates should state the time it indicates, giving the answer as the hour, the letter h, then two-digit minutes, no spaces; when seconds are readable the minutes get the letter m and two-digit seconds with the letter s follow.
9h00
